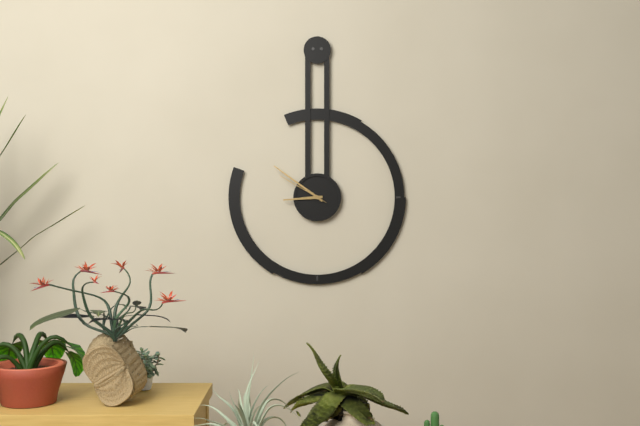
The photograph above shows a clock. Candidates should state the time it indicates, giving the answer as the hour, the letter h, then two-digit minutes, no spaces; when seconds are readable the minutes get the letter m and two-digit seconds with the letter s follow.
8h51m50s
